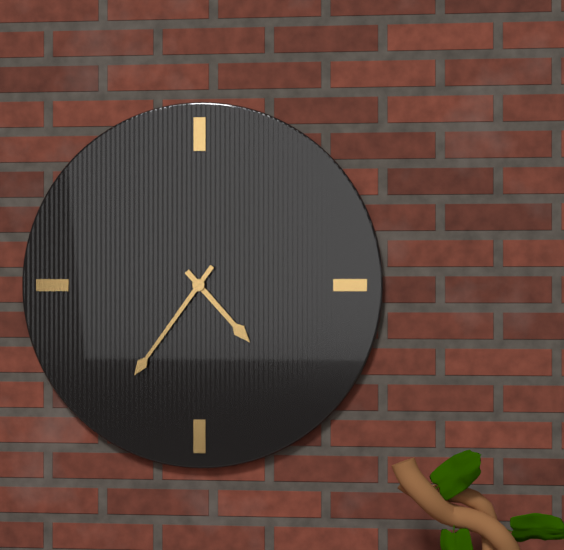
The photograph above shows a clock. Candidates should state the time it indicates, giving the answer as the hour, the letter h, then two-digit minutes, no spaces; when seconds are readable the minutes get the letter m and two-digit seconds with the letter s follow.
4h36
